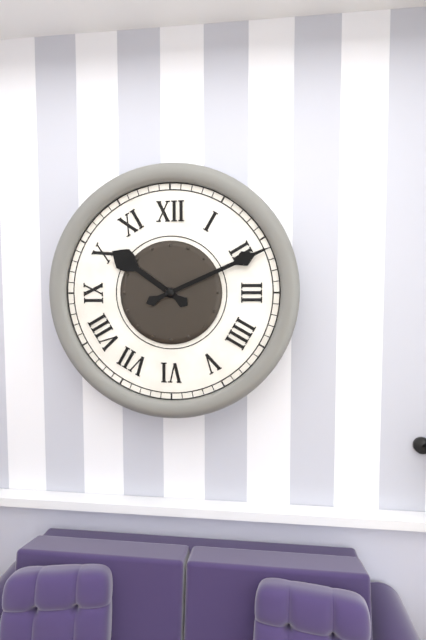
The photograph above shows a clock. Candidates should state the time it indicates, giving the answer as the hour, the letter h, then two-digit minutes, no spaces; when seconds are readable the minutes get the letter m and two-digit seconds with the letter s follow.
10h11
